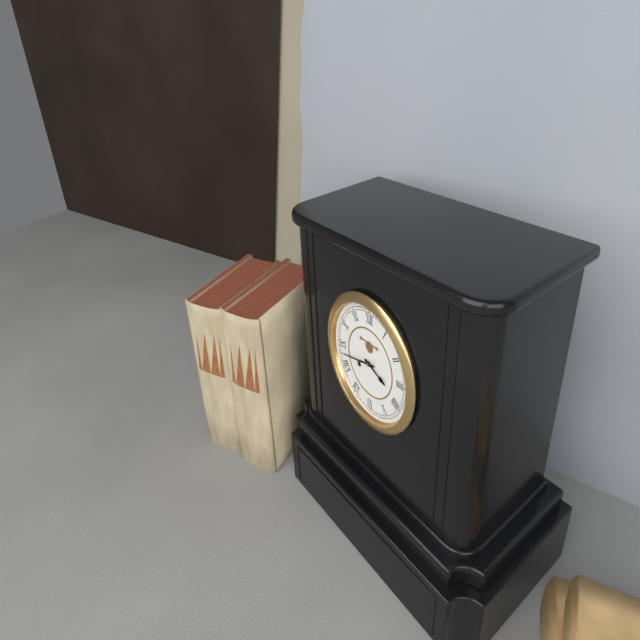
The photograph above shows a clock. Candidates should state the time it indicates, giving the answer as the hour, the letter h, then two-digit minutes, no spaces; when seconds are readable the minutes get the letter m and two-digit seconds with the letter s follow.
3h43
